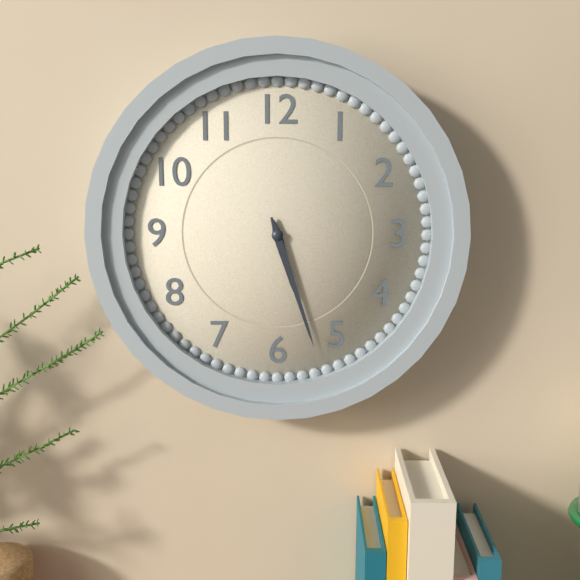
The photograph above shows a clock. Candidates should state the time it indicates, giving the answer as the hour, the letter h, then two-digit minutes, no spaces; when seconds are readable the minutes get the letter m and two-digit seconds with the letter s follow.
5h27
